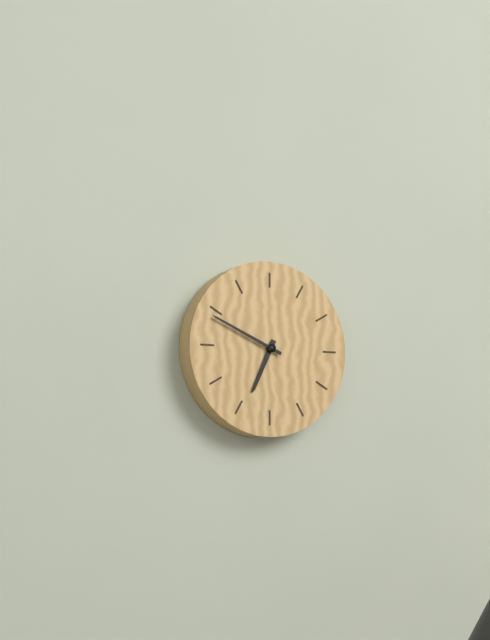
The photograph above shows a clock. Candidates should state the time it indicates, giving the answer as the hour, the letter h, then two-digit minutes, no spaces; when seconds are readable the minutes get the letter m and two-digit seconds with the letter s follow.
6h49
